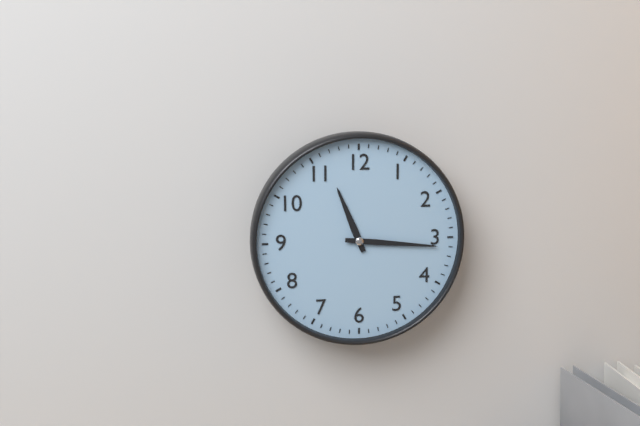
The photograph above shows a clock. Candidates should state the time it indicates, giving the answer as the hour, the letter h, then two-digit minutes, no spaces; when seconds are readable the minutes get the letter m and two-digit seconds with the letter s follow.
11h16
